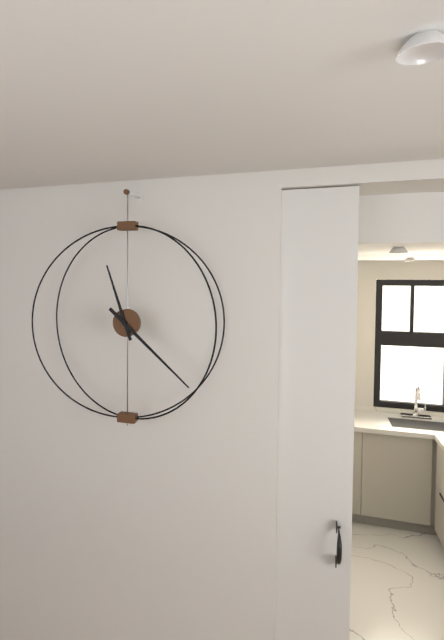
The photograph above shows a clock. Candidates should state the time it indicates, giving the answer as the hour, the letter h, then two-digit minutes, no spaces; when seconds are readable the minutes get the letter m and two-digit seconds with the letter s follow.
11h22
